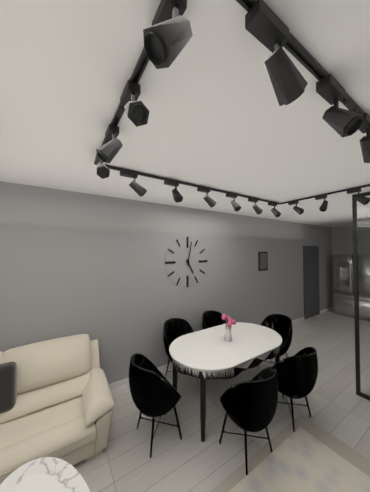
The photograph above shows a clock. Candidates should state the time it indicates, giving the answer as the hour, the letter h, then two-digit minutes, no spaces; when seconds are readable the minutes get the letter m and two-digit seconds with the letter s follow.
5h02
